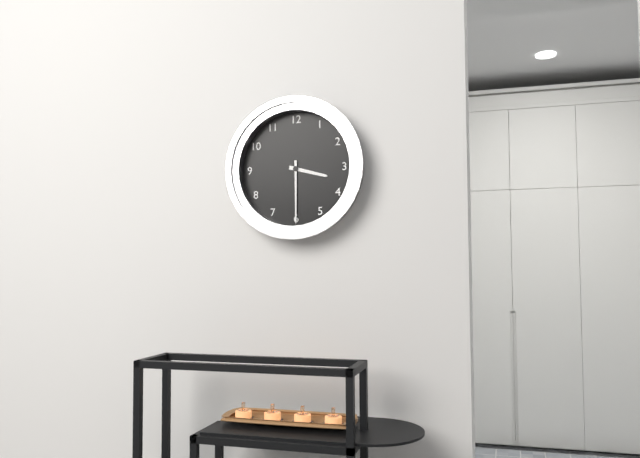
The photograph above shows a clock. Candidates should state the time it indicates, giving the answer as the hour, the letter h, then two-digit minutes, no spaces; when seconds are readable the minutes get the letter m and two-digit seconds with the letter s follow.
3h30
